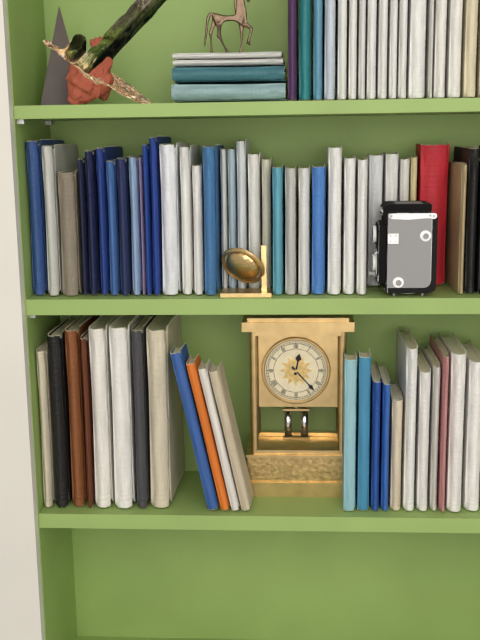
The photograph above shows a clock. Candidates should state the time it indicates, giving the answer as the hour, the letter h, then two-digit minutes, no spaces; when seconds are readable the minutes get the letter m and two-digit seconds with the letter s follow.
12h23
